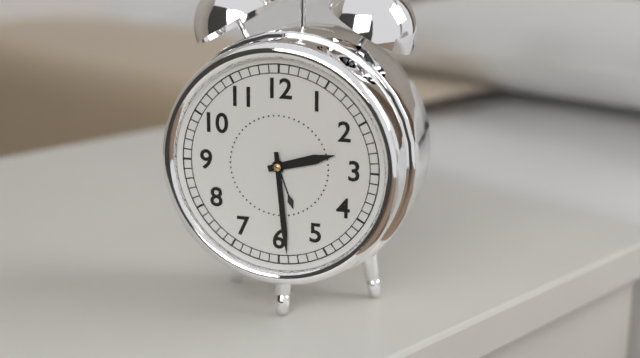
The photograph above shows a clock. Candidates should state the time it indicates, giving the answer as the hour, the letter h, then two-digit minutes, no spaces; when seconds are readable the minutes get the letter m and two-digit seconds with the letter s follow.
2h29
